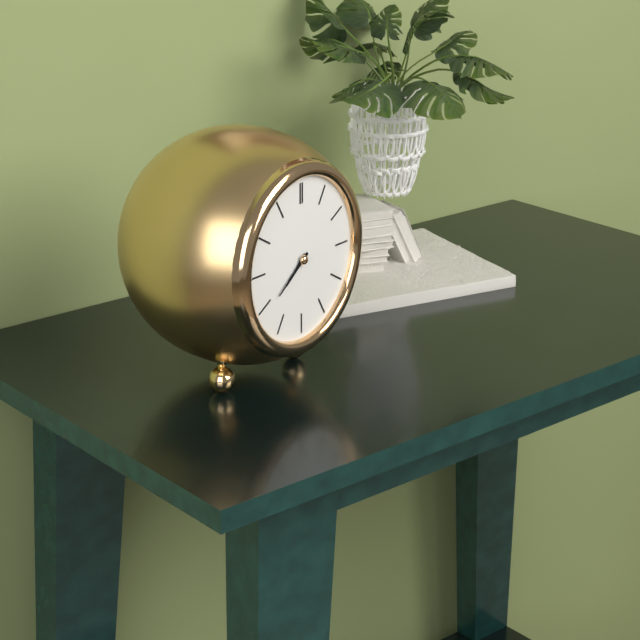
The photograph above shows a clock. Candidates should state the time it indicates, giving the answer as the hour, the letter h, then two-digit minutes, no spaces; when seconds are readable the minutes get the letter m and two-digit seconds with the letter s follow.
7h39
